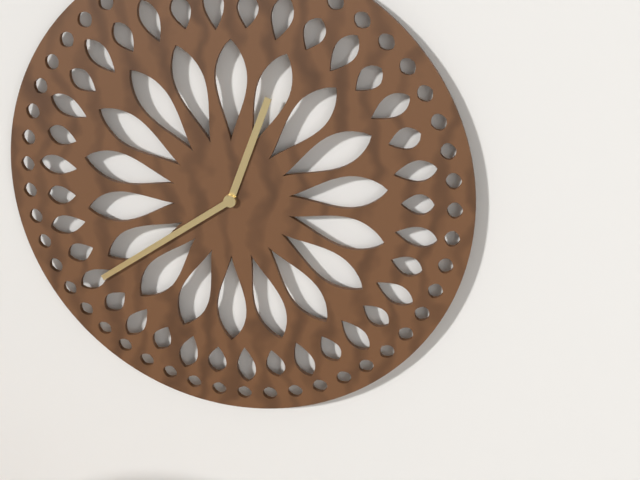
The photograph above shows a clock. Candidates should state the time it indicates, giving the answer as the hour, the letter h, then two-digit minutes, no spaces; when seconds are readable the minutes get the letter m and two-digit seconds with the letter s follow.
12h39
